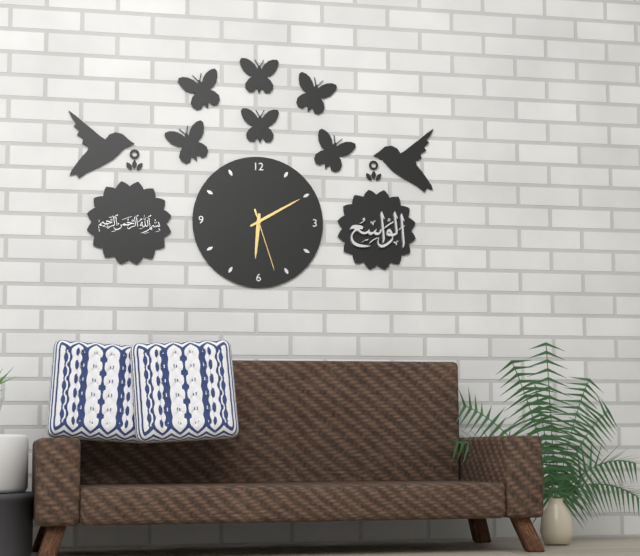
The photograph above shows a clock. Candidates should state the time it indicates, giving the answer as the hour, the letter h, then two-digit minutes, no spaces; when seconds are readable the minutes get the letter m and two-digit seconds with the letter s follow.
6h10m27s
